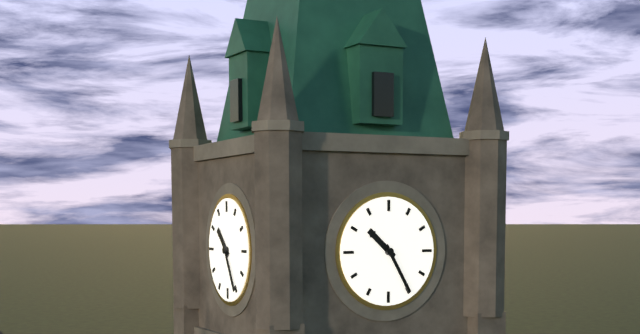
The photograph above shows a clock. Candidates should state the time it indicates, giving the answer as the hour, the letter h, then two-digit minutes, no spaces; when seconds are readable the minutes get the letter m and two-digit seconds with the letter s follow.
10h25
